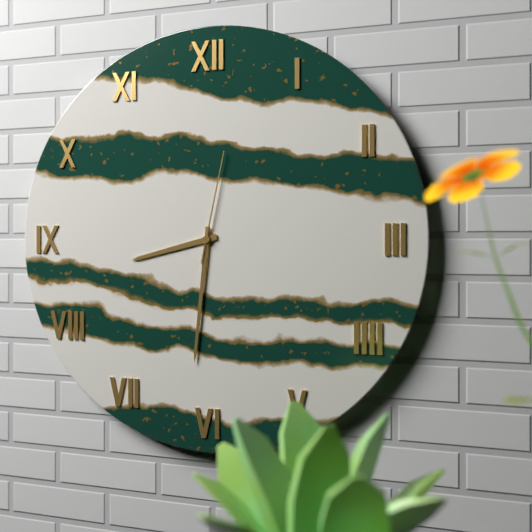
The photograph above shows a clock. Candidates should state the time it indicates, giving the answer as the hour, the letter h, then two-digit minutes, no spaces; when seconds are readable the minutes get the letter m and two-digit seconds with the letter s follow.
8h31m02s
